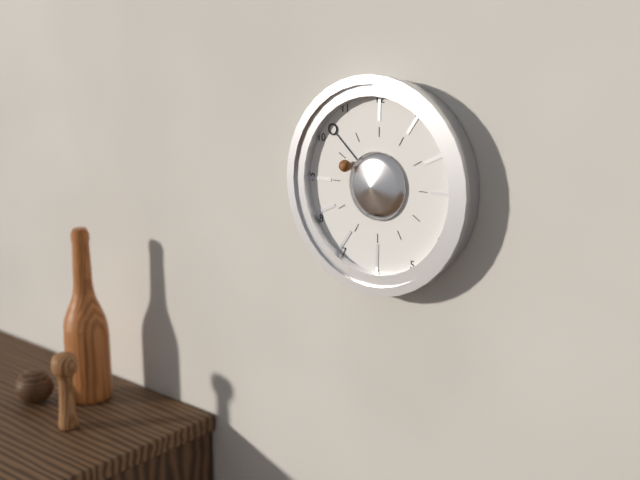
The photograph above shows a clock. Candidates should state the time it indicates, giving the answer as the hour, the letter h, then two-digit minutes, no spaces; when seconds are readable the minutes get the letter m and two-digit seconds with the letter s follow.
9h52
